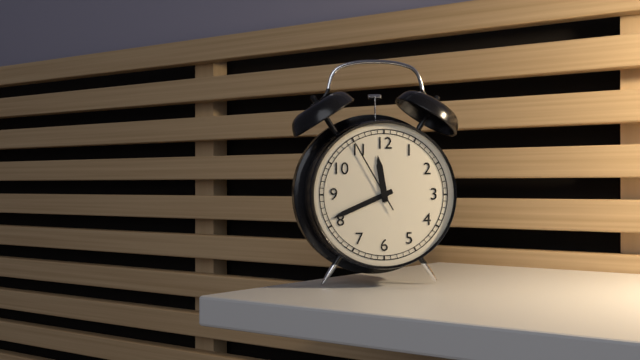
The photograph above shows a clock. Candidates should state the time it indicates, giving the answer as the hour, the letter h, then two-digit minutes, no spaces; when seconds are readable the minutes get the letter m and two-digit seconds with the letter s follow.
11h41m55s
